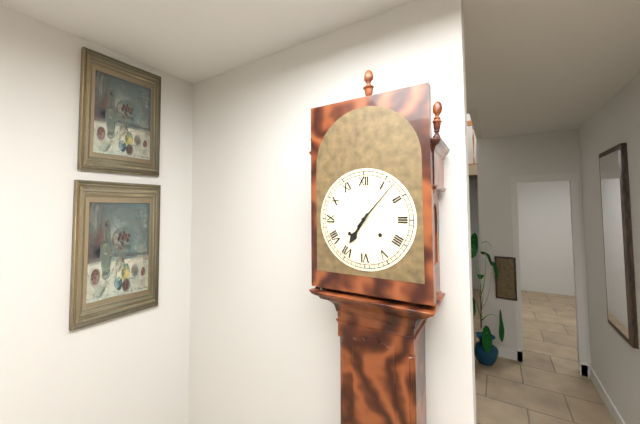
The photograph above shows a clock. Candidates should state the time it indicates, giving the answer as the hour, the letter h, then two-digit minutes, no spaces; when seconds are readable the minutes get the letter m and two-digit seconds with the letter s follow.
7h07
